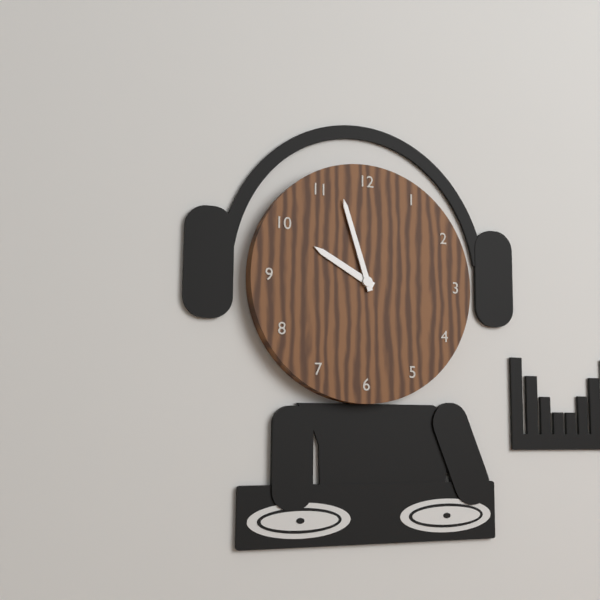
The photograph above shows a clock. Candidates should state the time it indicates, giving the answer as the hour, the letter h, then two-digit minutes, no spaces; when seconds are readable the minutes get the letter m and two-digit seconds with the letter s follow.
9h57
